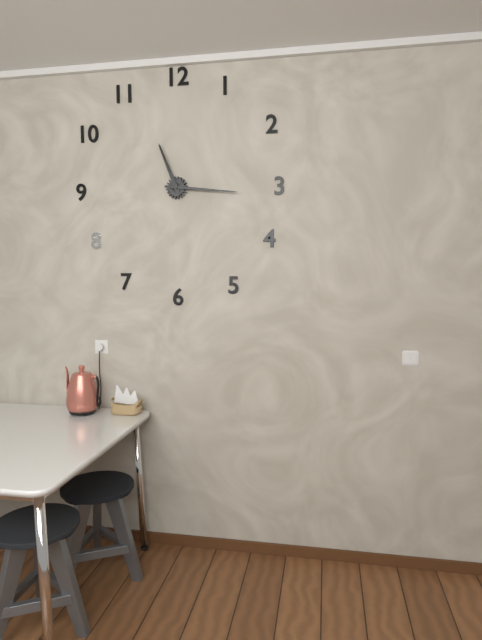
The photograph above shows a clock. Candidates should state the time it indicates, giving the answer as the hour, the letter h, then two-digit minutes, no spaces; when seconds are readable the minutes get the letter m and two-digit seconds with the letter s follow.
11h16
